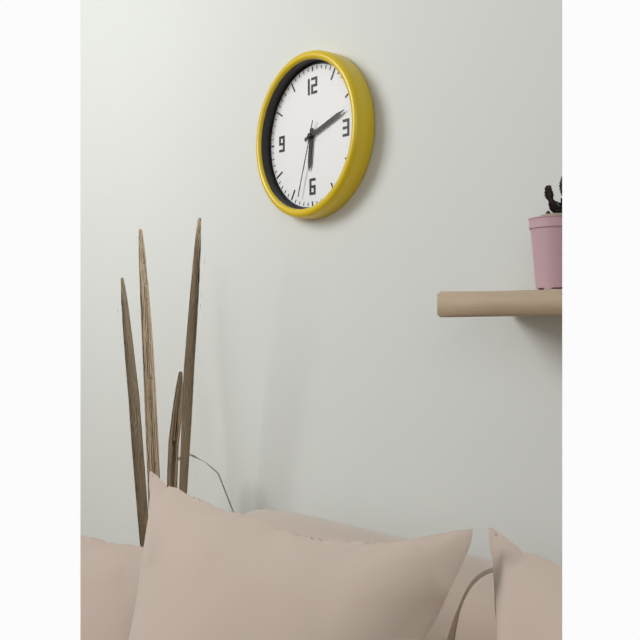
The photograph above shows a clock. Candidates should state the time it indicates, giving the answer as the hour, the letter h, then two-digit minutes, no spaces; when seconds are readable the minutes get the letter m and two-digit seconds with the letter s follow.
6h12m33s
